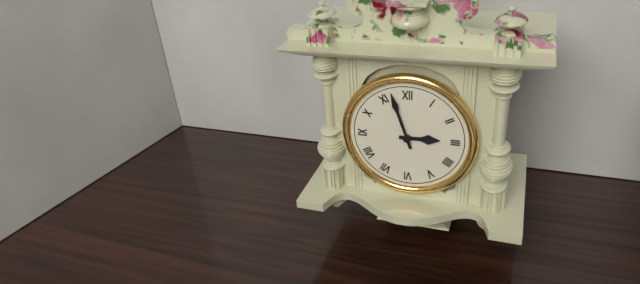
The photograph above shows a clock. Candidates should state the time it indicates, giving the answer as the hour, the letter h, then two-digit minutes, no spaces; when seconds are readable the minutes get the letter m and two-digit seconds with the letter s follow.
2h57
